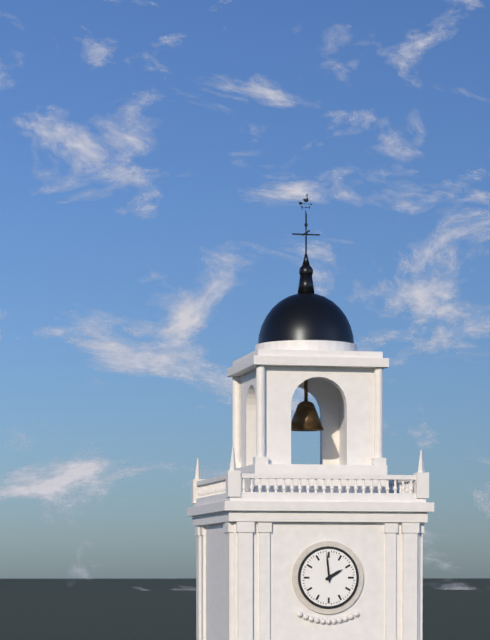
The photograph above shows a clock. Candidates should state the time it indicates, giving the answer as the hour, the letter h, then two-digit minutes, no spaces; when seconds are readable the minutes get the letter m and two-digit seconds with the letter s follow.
1h59
